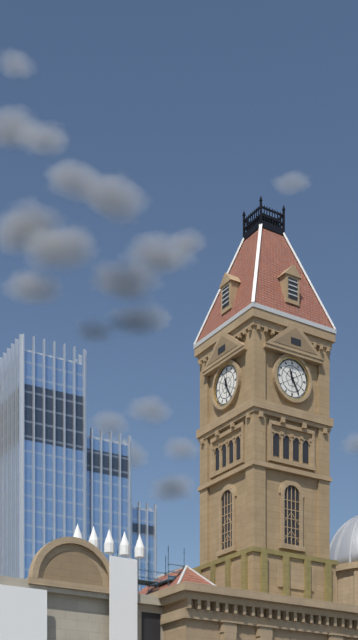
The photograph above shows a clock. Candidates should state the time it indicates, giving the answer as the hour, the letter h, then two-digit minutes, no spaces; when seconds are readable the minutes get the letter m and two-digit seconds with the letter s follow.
11h25
